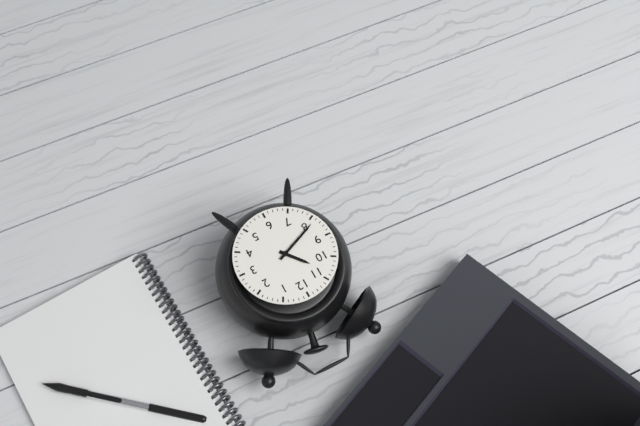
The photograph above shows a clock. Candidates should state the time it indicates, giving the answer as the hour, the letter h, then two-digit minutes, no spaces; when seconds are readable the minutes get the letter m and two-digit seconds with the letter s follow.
10h41
